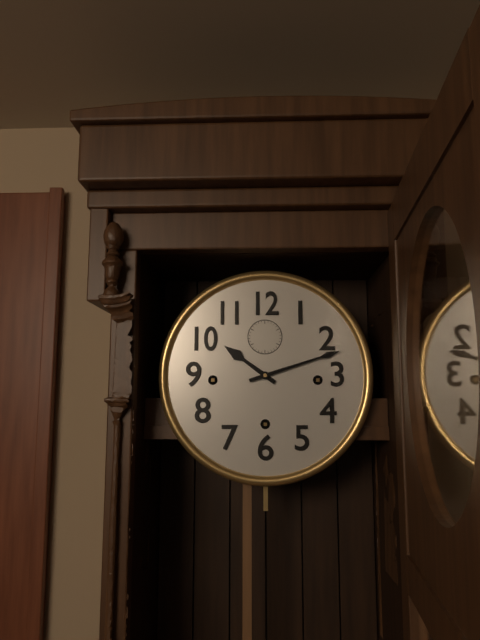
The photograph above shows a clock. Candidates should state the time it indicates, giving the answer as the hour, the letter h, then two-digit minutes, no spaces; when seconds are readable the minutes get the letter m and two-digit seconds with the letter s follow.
10h12
